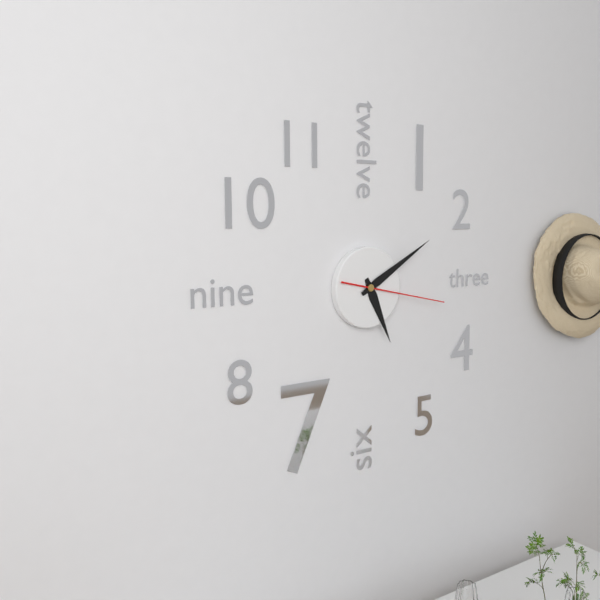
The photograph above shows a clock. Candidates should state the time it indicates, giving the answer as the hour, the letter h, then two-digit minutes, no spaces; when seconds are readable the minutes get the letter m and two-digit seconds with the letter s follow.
5h10m17s
